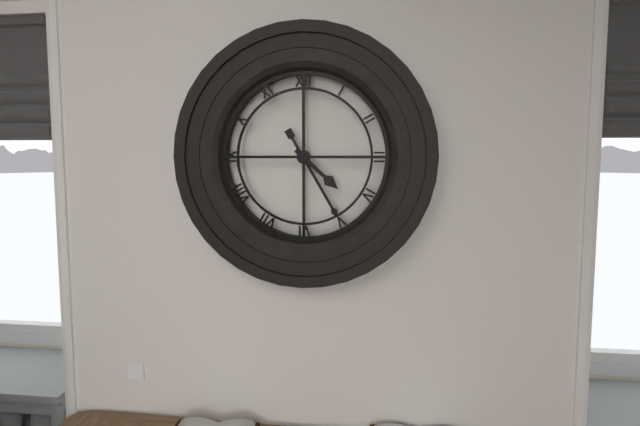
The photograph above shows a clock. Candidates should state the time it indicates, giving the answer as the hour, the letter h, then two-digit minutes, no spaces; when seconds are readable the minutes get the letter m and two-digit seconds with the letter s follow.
4h25
